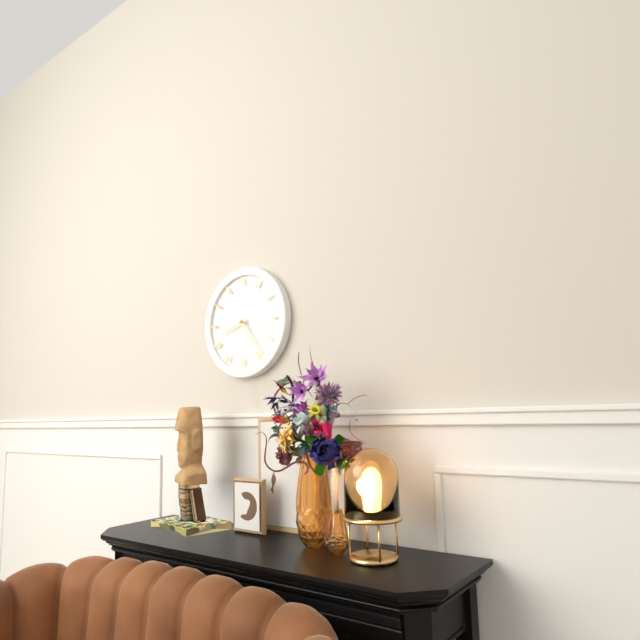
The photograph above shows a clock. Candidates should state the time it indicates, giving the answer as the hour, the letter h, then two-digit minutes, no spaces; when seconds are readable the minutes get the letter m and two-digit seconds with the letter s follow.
8h24
